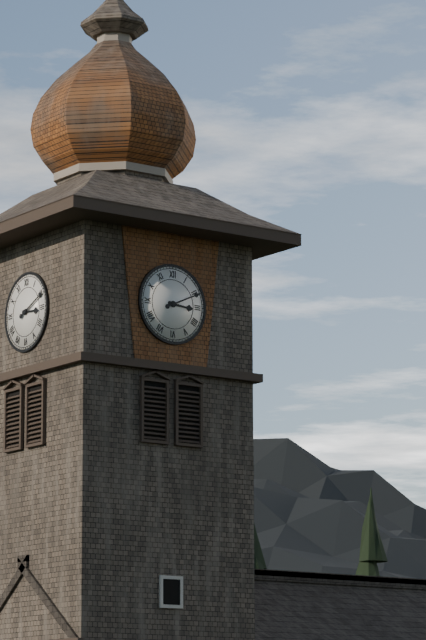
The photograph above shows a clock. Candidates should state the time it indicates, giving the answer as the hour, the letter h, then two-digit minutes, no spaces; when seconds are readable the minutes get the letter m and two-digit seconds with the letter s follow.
3h11
